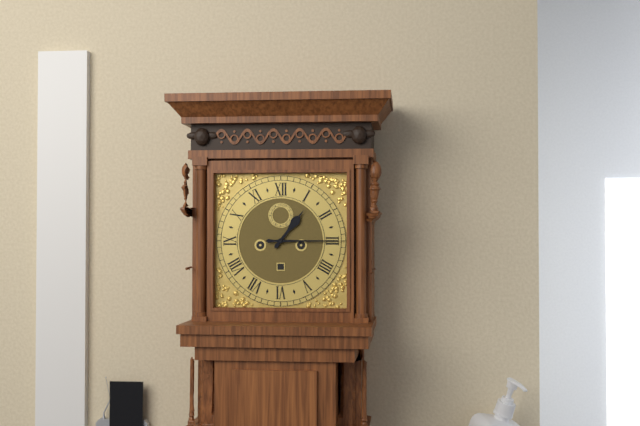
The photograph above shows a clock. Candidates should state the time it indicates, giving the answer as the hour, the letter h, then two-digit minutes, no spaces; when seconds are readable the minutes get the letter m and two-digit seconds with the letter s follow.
1h15
